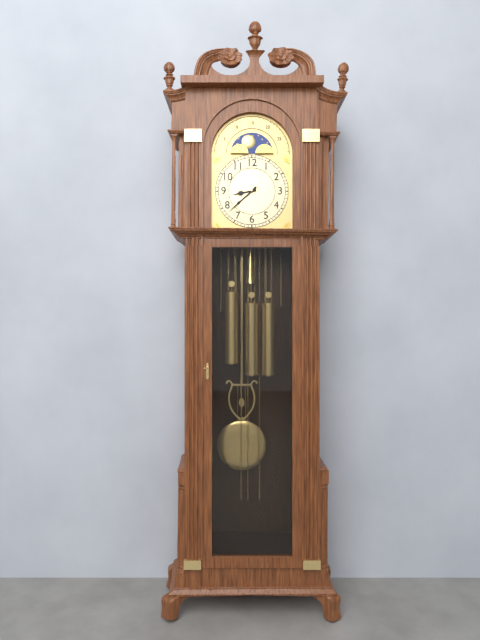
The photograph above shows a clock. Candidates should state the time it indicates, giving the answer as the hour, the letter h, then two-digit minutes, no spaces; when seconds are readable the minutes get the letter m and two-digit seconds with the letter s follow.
8h38
